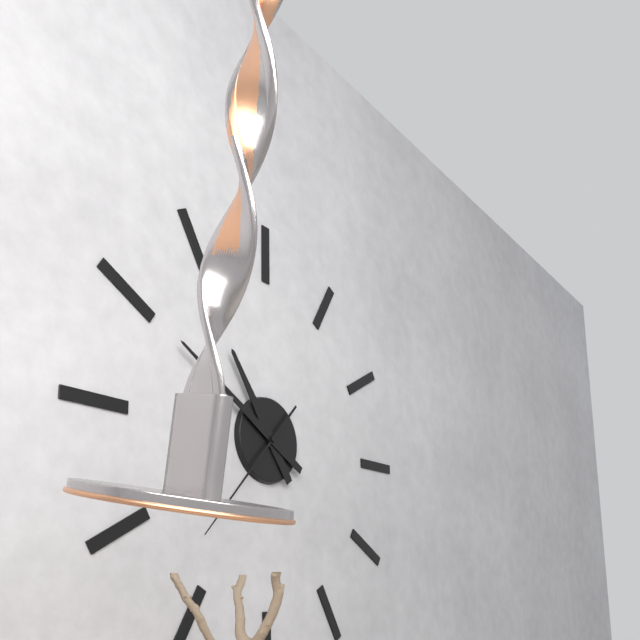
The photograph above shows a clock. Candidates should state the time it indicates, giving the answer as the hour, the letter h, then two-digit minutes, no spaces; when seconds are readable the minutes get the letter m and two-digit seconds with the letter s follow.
10h50m37s
